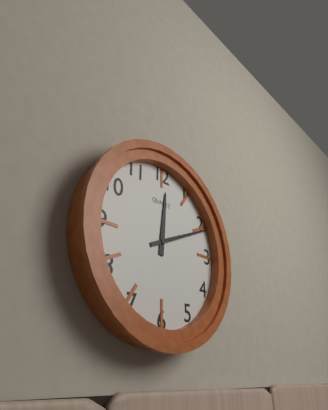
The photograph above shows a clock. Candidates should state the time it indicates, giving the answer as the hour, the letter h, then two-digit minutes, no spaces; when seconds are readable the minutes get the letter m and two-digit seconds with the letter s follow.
12h11
